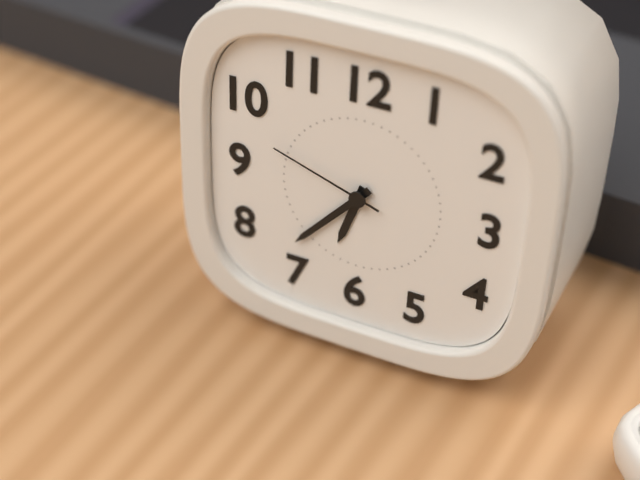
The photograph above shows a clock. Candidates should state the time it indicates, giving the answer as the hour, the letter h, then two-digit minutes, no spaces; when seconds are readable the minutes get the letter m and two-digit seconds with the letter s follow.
6h37m48s
